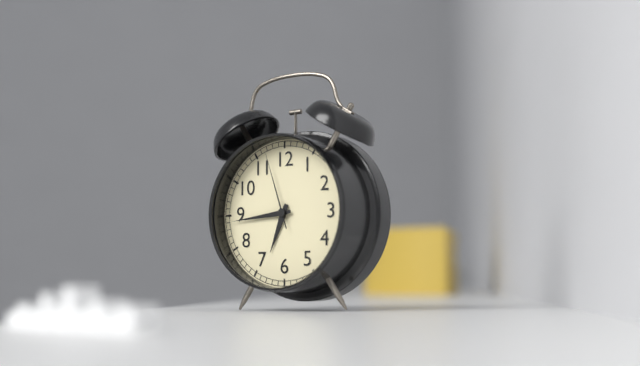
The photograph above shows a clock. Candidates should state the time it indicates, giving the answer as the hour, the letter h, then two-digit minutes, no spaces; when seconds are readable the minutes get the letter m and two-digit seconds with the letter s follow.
6h44m57s
